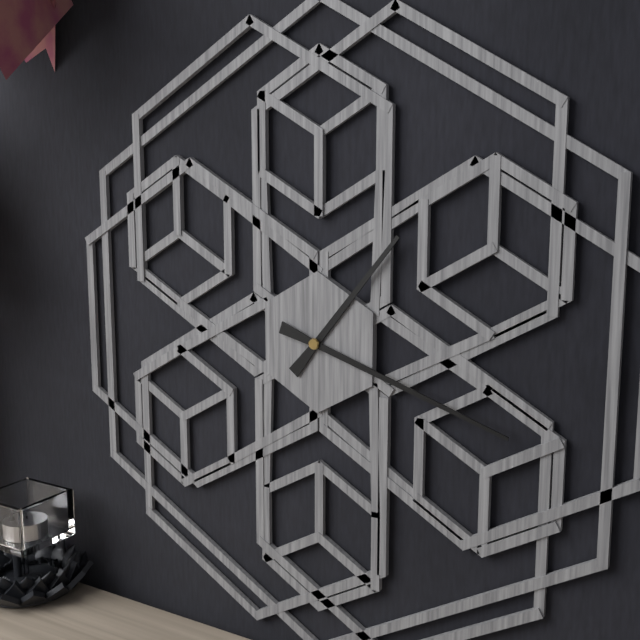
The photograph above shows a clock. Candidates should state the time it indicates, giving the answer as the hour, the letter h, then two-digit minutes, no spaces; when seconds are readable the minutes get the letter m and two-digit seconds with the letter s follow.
1h18
